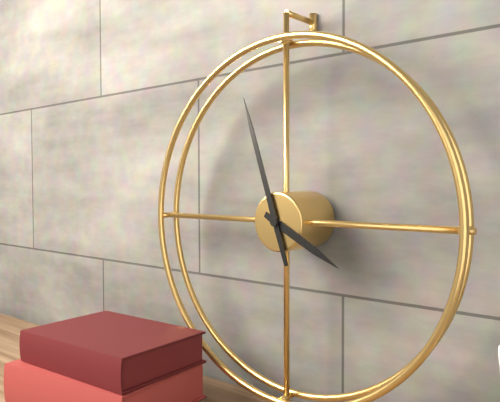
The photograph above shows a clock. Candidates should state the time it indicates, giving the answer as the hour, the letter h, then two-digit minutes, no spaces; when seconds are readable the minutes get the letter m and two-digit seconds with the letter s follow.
3h57
